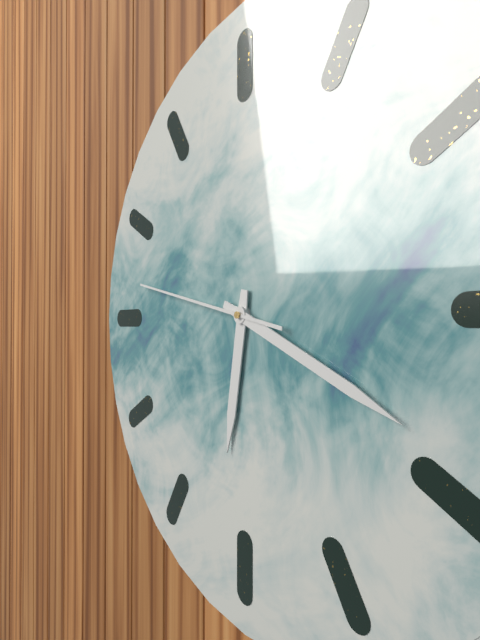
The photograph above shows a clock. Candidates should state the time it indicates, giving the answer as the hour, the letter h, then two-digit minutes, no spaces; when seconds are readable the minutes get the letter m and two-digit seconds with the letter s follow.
6h19m47s
